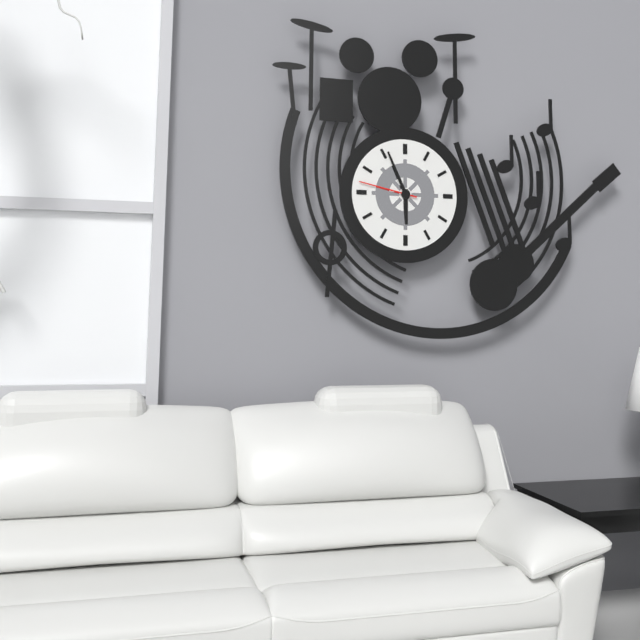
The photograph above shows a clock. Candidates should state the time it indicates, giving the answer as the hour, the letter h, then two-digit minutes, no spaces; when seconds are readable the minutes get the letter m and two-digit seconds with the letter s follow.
5h56m47s
